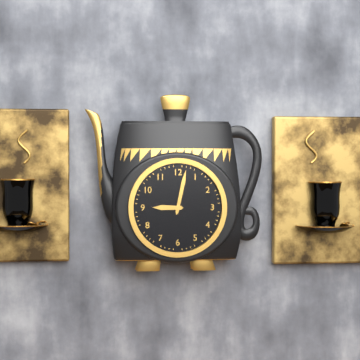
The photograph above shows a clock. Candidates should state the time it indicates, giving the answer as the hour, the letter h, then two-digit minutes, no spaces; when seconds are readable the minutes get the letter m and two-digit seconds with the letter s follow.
9h02
